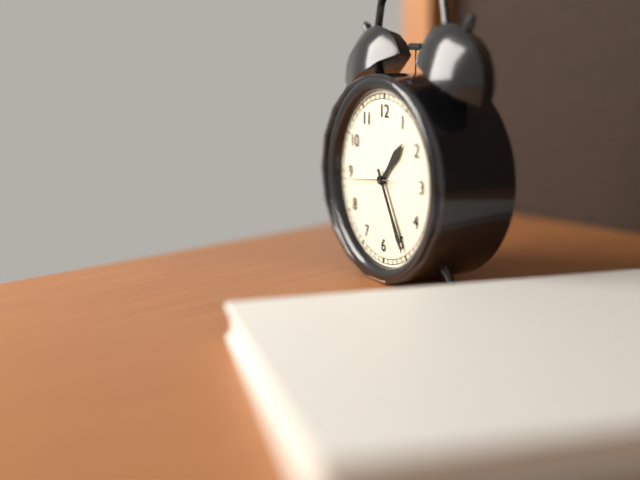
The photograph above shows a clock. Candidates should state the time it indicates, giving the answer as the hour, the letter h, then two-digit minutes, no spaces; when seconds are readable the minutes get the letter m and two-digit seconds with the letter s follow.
1h25
